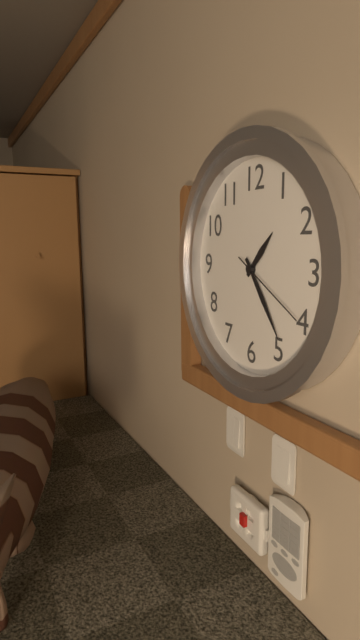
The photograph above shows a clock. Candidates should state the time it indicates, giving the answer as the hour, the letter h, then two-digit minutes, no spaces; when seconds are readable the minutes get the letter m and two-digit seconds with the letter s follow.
1h24m20s
